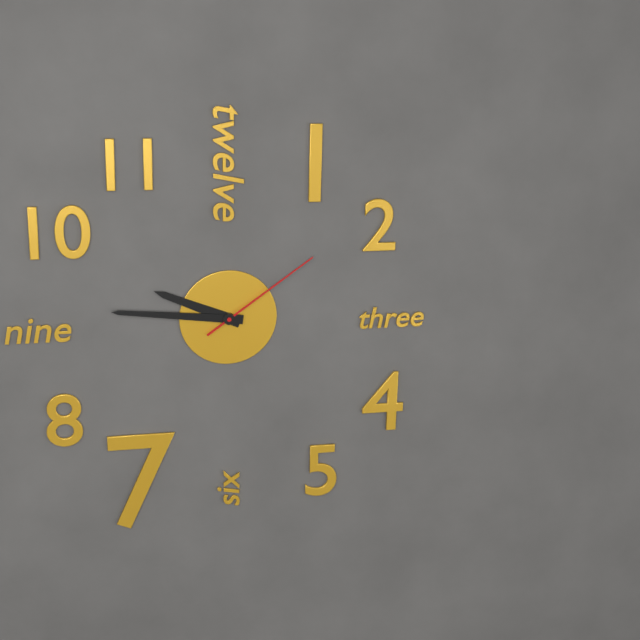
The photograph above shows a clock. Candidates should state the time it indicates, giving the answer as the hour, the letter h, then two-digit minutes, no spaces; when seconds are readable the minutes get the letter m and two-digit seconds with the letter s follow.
9h46m09s
